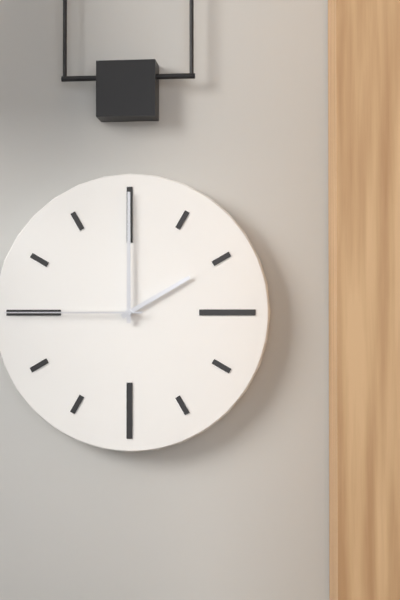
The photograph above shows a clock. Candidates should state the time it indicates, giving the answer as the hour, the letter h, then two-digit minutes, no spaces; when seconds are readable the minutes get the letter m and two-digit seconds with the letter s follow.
2h00m45s
